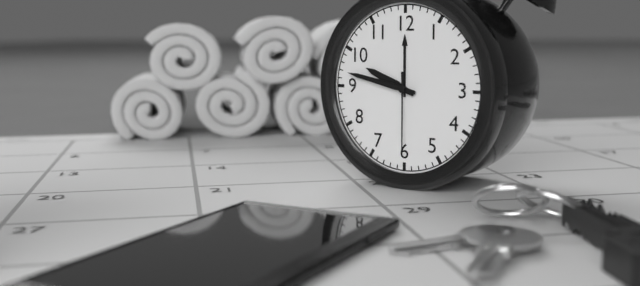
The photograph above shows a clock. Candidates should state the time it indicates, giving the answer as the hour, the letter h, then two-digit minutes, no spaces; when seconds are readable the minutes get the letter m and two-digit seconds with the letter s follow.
9h47m30s
